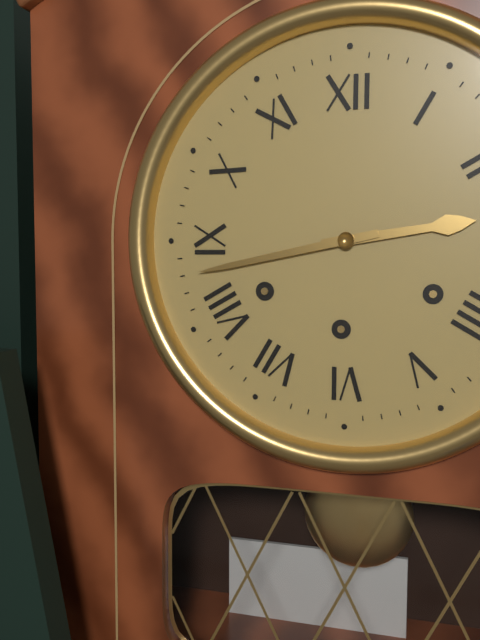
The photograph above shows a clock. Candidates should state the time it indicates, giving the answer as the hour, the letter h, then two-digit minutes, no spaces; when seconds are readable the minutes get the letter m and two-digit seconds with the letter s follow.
2h43
